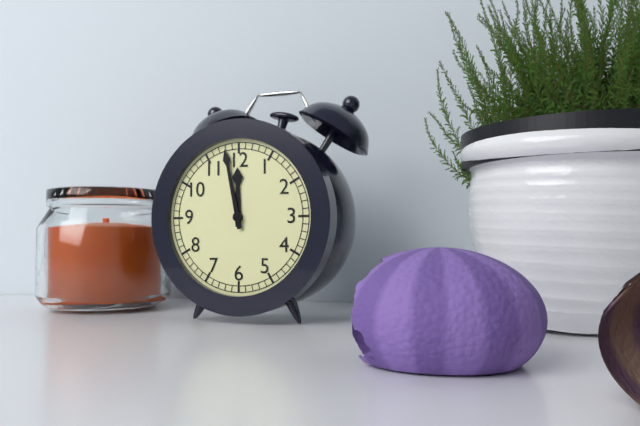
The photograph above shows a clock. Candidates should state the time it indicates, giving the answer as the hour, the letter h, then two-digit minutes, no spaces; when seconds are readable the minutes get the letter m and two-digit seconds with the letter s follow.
11h58
